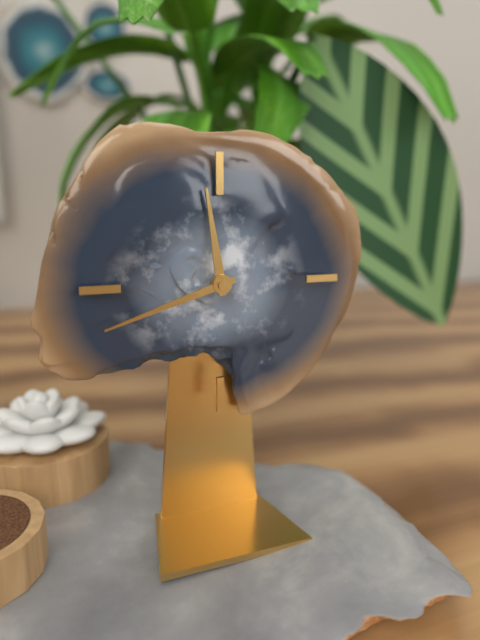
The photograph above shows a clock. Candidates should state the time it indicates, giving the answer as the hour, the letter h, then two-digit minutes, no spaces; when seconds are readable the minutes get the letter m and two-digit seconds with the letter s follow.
11h42
